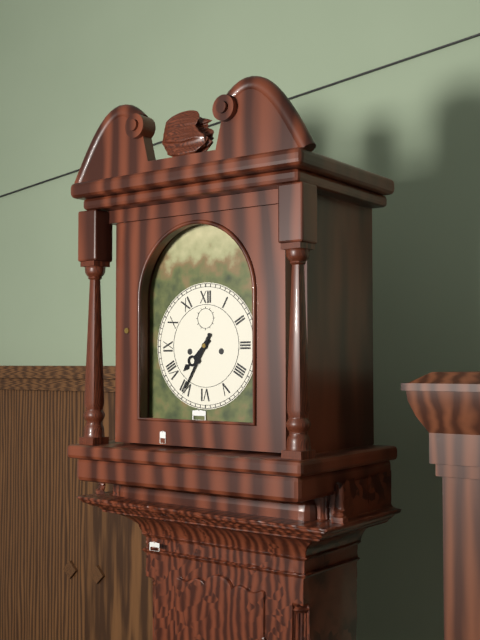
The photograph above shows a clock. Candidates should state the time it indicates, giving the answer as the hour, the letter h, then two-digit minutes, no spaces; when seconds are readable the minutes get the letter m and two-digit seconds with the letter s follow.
7h35
